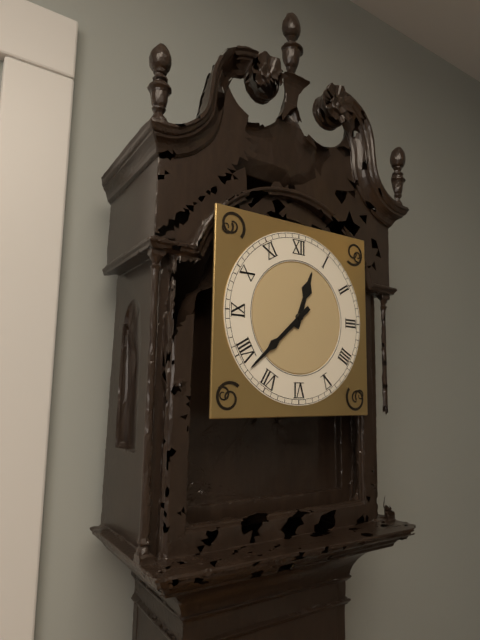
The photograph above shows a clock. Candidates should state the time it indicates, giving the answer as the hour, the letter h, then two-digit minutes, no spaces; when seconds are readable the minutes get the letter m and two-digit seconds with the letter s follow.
12h38
